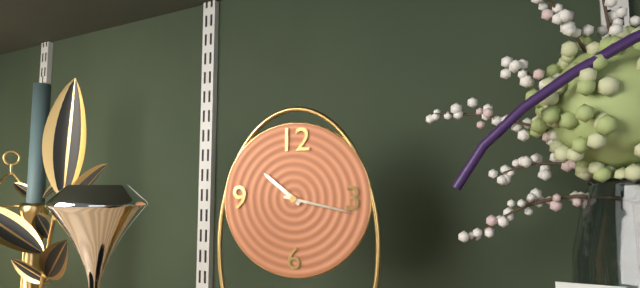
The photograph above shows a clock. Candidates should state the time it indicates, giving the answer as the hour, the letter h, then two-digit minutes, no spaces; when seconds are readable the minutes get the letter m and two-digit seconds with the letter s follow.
10h17
